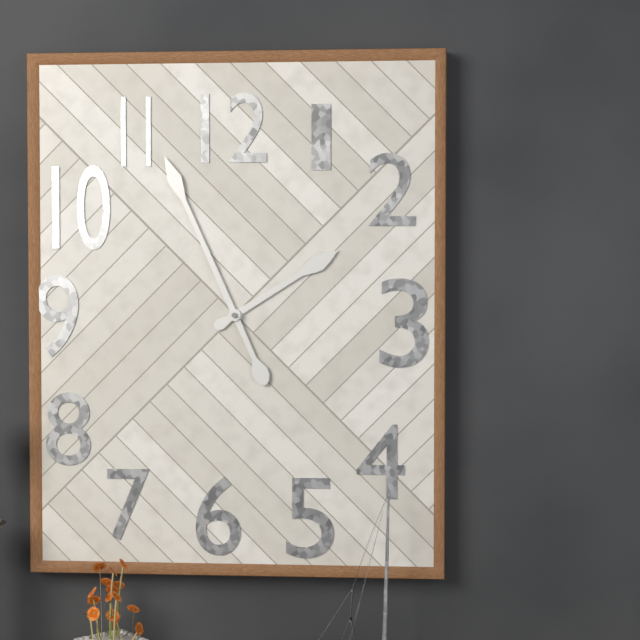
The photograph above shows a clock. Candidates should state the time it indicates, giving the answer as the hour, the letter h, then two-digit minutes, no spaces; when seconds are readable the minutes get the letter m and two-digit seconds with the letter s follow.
1h56
